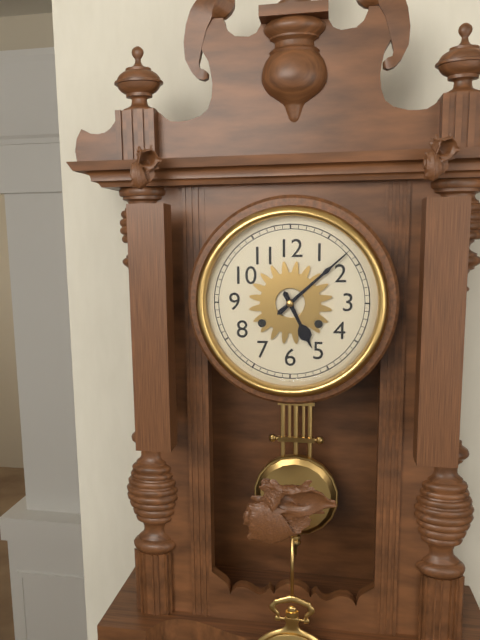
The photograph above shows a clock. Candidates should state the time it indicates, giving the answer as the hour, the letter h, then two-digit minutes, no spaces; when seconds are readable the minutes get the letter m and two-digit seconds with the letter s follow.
5h08
